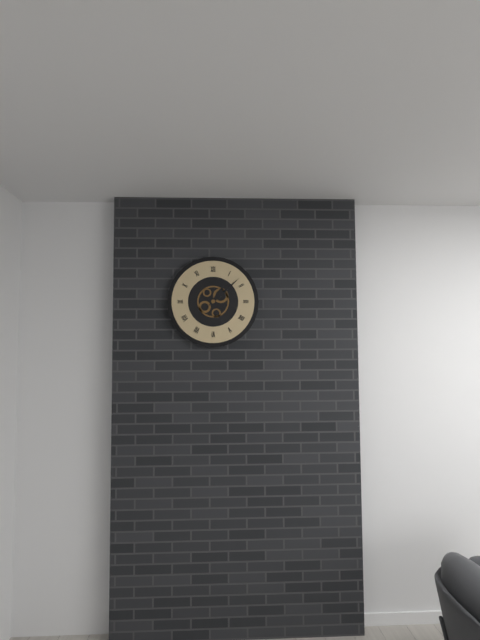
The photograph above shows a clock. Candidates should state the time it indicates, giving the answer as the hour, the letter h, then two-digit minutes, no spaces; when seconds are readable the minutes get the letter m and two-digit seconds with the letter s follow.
1h08
